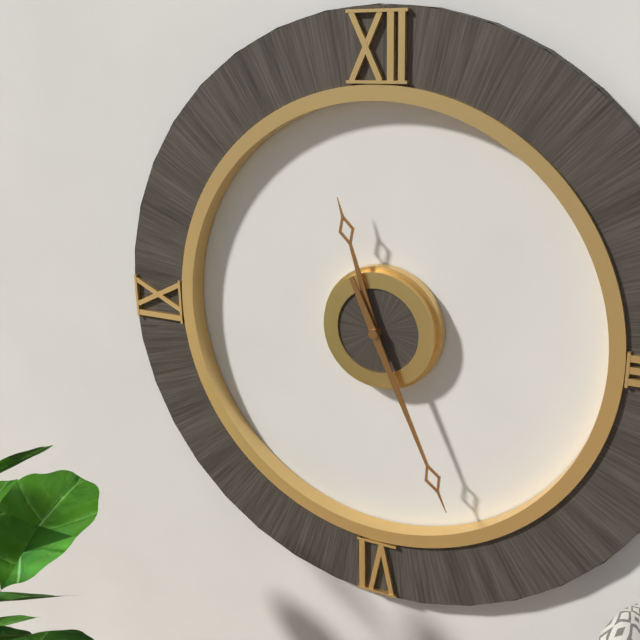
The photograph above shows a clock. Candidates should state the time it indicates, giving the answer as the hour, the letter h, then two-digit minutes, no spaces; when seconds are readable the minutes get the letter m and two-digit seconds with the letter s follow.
11h26
